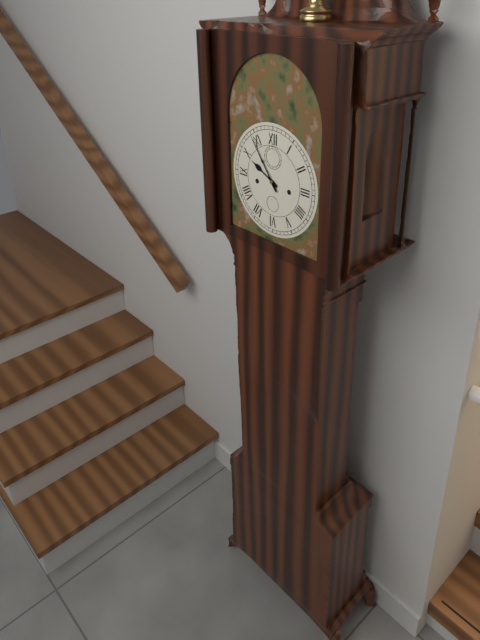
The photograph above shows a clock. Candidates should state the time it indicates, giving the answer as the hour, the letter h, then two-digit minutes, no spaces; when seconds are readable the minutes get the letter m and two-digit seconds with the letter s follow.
9h54
